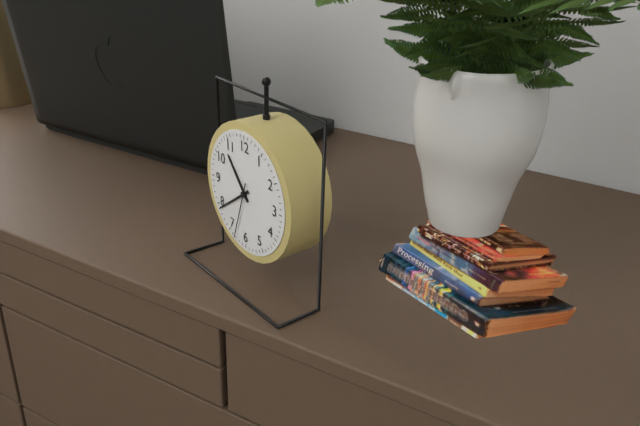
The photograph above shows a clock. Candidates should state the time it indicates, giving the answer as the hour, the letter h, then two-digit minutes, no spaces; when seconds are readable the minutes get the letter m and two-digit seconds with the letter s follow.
10h39m33s
